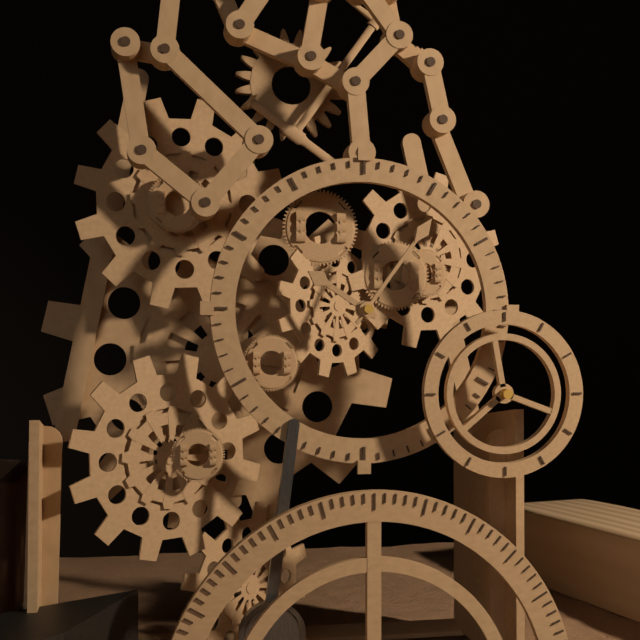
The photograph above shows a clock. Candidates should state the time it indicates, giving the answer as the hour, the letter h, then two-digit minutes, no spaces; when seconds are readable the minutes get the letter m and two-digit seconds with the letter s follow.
10h06
